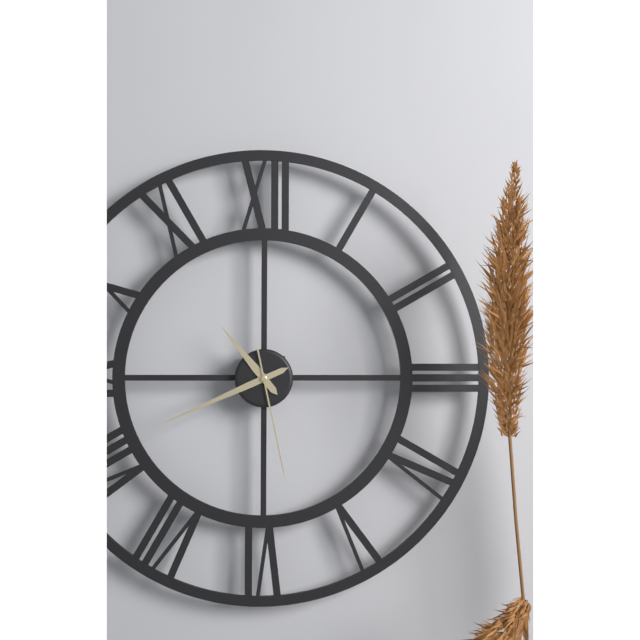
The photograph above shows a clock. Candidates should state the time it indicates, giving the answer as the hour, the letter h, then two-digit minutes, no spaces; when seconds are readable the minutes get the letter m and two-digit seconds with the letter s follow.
10h41m28s
